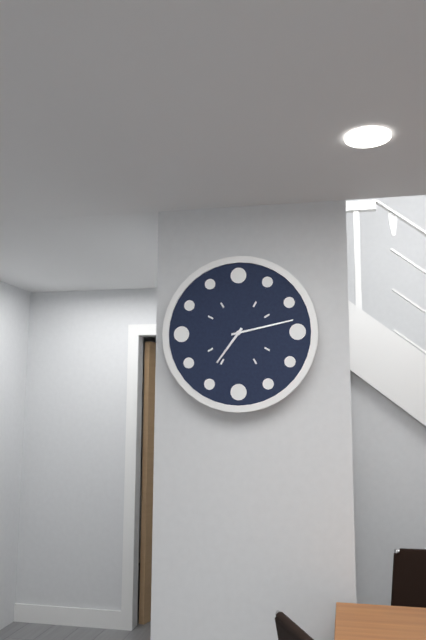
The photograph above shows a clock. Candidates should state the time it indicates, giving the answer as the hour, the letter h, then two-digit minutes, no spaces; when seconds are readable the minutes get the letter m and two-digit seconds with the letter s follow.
7h13
